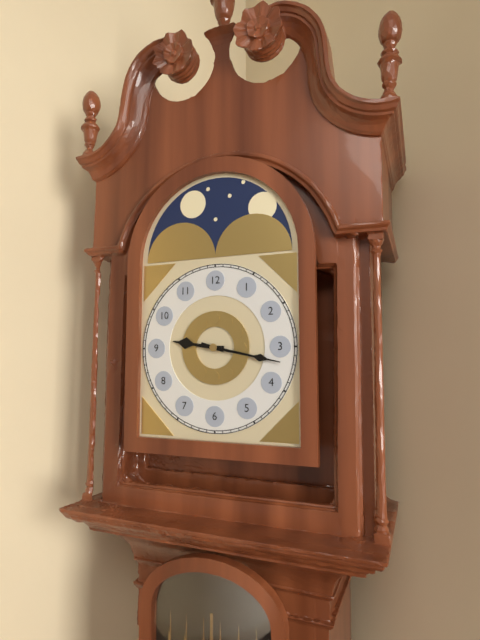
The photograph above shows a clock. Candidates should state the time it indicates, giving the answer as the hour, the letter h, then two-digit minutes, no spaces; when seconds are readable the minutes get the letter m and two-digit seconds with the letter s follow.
9h17
